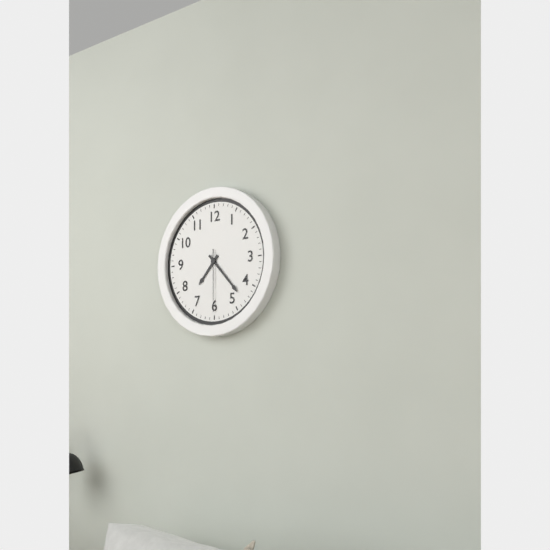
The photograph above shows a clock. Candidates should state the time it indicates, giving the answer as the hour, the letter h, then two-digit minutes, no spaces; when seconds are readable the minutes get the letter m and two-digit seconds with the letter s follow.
7h23m30s
